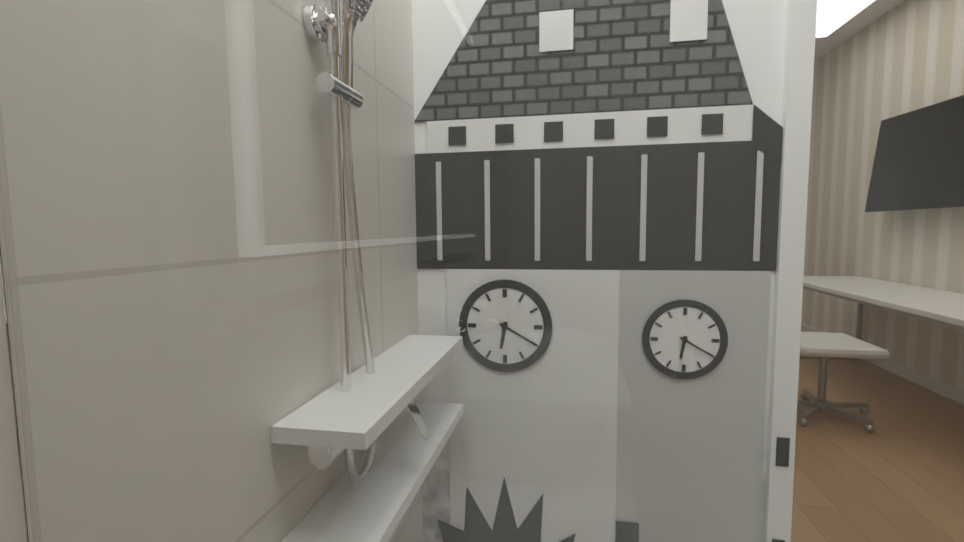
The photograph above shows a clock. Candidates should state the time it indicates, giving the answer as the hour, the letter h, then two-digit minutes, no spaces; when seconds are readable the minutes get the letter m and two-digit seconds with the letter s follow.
6h20
